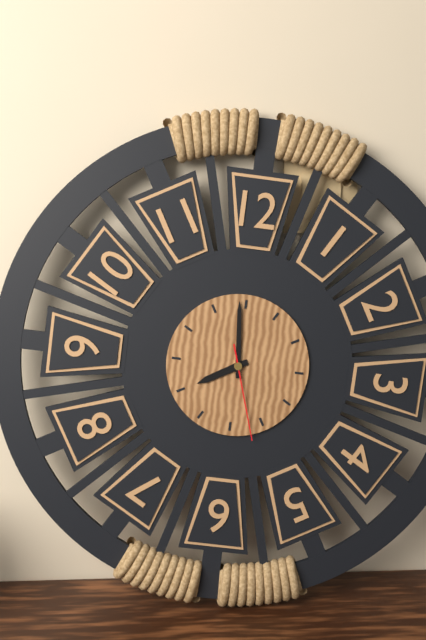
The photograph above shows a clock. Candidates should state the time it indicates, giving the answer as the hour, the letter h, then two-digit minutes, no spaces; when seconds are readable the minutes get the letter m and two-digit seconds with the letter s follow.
7h59m27s
